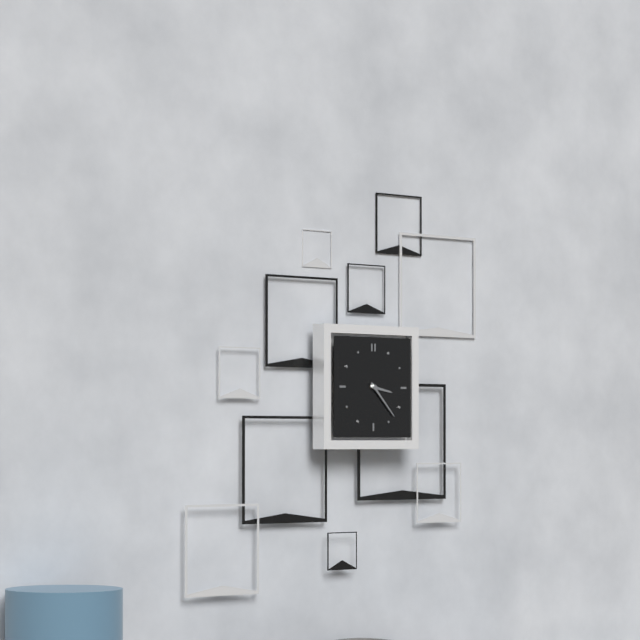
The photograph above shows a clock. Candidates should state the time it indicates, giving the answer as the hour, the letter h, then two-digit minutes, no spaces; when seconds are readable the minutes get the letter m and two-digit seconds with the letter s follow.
3h23
